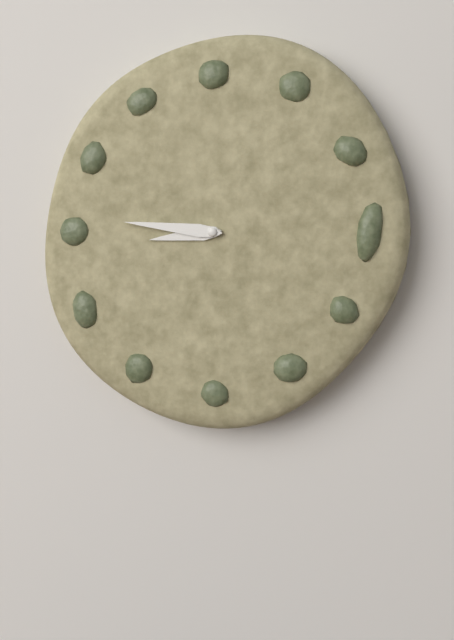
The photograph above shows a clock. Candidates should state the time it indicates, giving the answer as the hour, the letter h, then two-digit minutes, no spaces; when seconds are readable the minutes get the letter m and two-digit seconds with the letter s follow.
8h46
